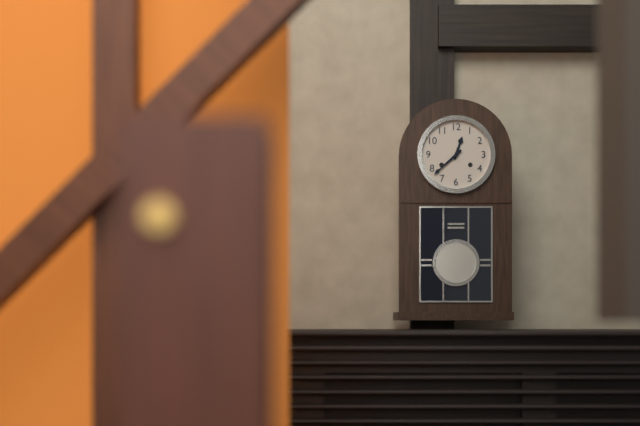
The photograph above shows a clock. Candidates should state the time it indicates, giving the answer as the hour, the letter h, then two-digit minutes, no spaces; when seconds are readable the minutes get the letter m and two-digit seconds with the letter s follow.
12h38
